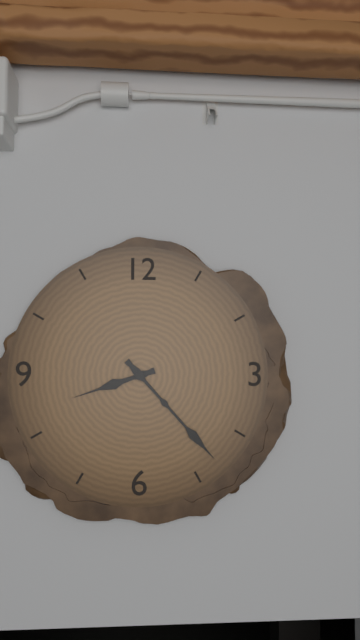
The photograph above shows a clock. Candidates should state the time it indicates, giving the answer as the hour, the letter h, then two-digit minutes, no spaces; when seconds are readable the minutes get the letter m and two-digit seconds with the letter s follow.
8h23
